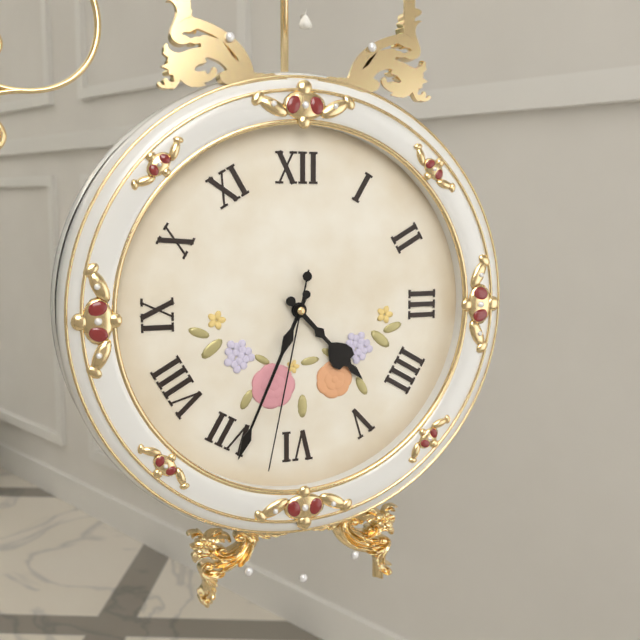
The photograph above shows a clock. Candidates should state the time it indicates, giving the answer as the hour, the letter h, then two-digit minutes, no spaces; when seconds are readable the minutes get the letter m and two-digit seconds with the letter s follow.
4h34m32s
